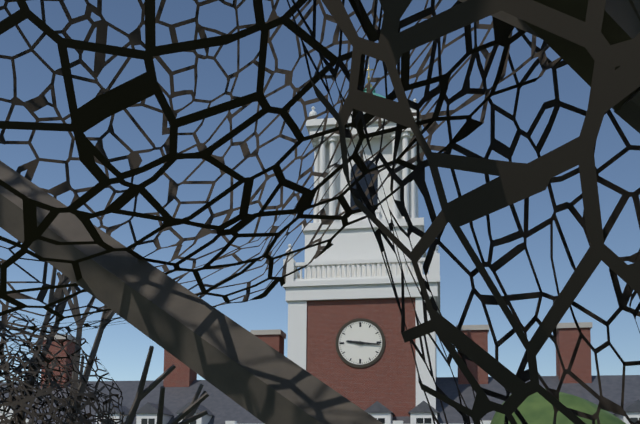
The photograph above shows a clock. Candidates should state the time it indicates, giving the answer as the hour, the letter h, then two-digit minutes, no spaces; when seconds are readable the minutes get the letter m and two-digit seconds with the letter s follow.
9h16
